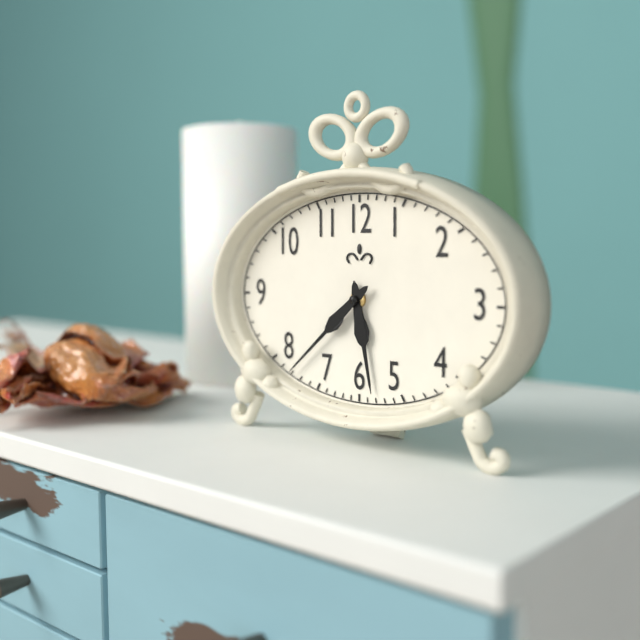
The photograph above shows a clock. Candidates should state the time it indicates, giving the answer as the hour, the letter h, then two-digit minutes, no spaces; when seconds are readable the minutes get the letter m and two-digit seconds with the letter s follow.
5h38
